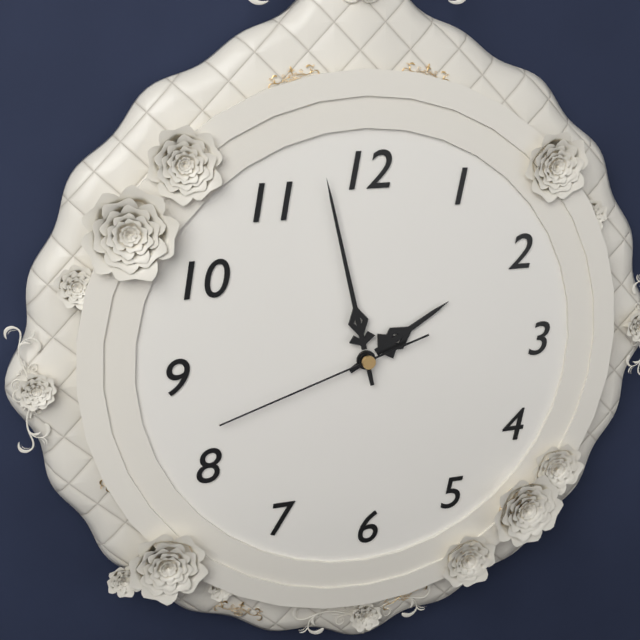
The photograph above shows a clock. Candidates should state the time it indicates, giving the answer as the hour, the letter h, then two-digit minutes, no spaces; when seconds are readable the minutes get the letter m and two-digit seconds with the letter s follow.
1h58m42s
